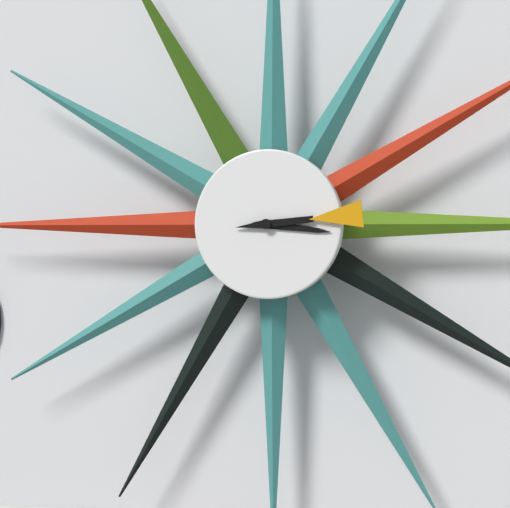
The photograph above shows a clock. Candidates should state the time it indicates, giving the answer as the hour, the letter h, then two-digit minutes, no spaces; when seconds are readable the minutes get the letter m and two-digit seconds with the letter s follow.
3h14
